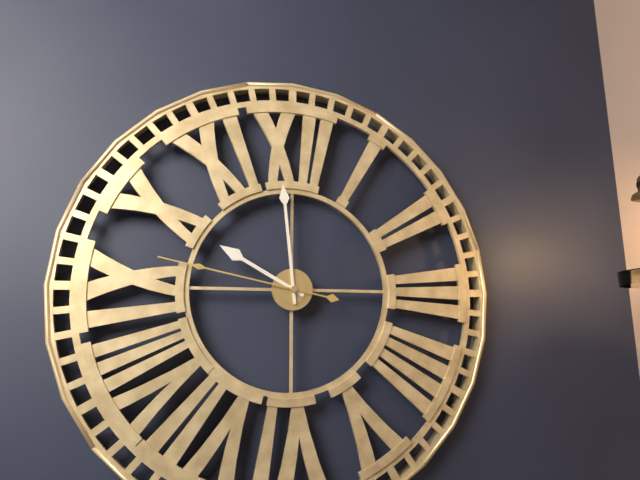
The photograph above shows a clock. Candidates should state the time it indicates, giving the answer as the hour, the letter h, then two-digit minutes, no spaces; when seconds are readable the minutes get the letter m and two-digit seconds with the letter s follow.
9h59m47s
